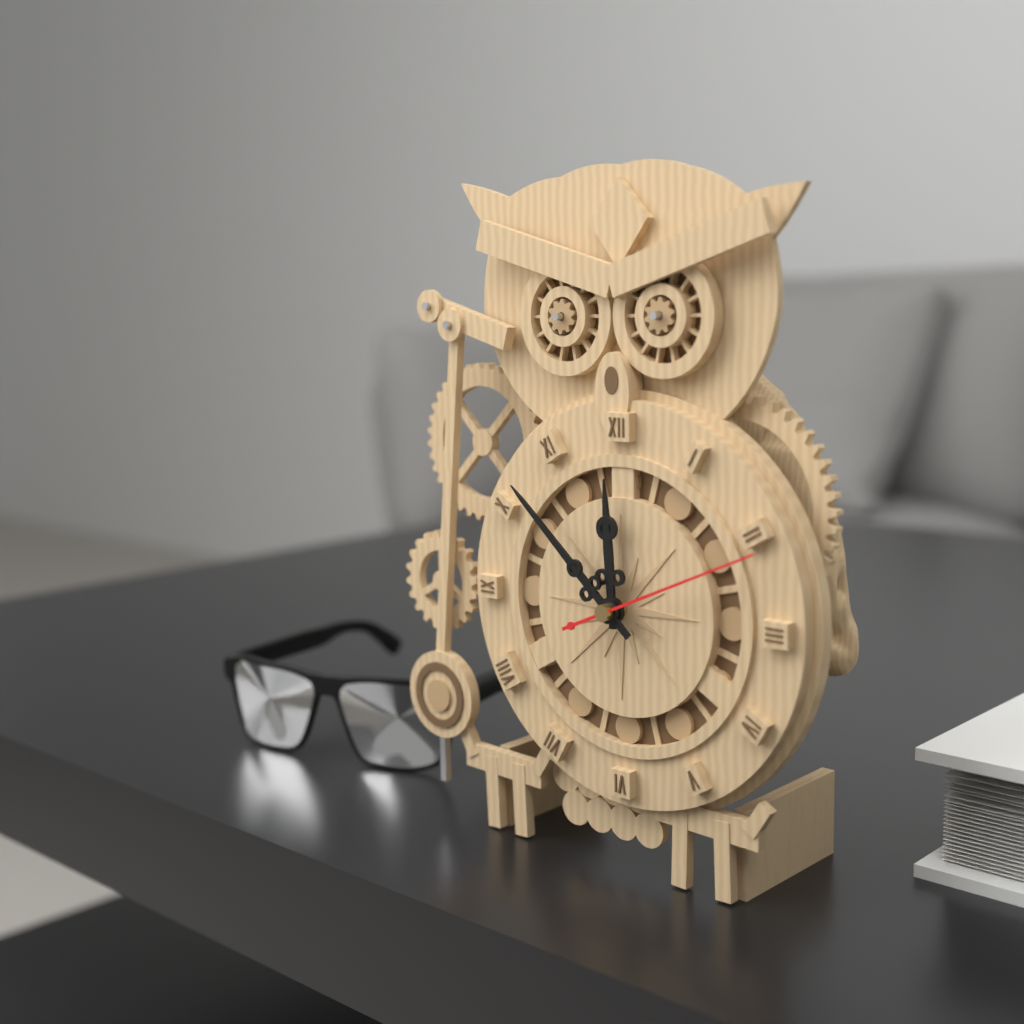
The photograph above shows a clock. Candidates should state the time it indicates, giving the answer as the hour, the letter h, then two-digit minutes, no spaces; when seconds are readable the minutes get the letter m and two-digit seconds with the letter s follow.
11h52m11s
